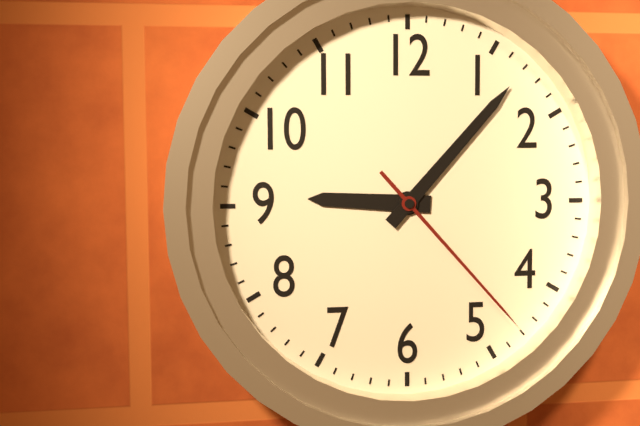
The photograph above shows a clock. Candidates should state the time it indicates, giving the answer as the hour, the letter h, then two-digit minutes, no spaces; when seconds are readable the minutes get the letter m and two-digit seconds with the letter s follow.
9h07m23s
